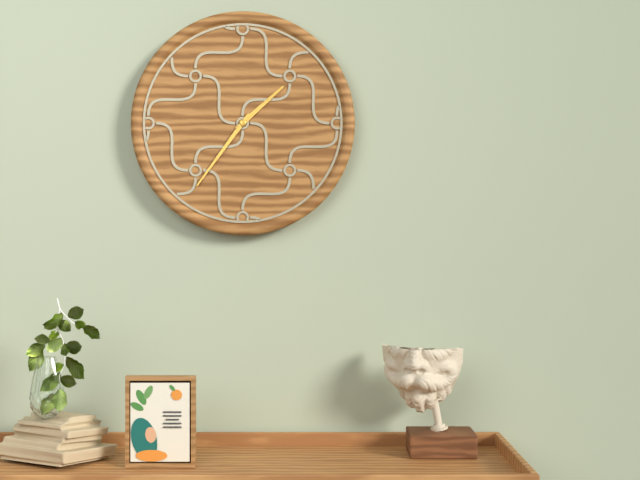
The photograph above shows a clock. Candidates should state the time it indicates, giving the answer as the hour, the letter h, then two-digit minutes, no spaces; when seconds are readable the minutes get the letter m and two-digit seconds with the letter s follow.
1h36
